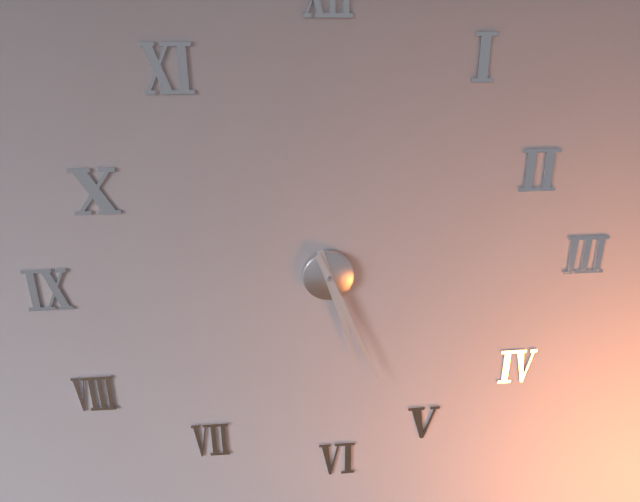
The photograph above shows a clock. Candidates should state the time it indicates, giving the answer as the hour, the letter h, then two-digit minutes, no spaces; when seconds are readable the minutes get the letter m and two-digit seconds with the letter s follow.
5h26
